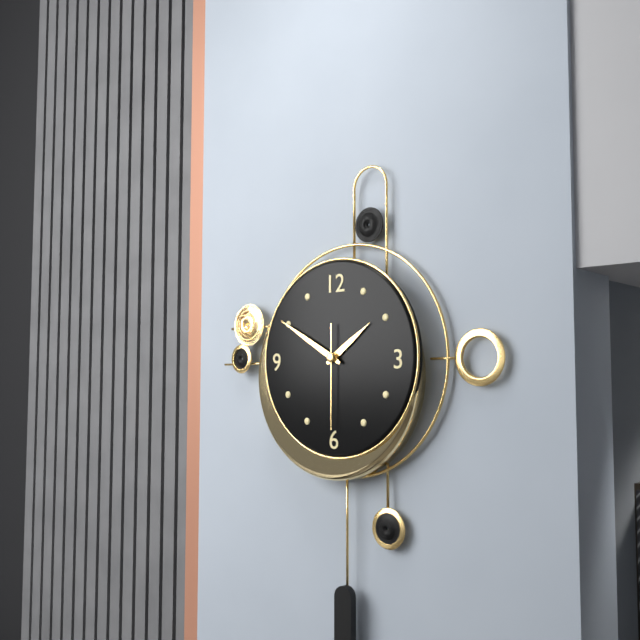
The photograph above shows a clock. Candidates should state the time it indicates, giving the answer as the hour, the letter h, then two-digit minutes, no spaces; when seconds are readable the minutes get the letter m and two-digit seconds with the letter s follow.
1h50m30s
